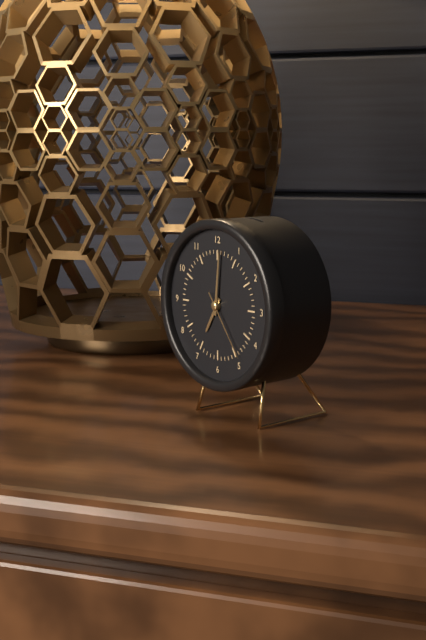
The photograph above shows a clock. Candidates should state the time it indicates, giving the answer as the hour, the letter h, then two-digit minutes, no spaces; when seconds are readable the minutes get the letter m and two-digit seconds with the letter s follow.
7h01m24s
